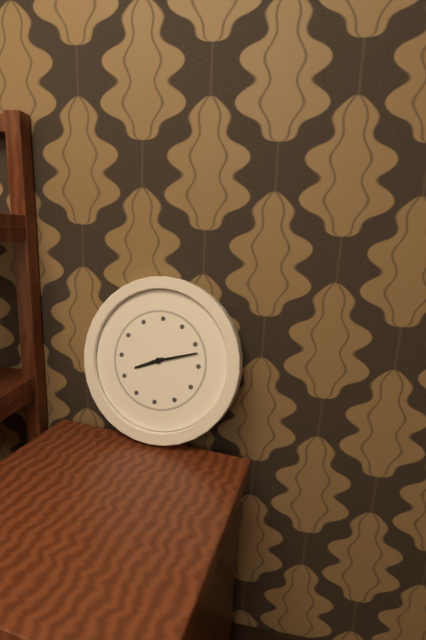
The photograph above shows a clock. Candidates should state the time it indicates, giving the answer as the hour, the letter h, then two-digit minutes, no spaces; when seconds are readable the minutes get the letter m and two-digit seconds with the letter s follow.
8h12
